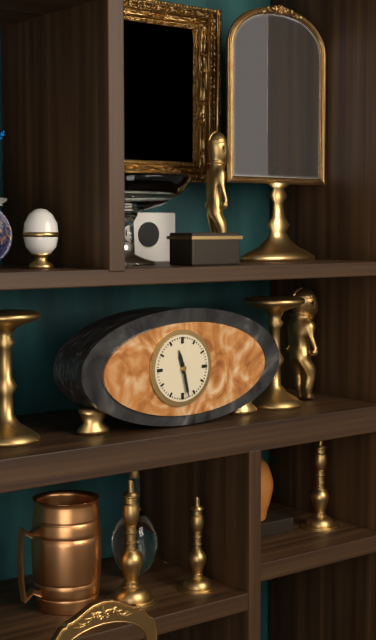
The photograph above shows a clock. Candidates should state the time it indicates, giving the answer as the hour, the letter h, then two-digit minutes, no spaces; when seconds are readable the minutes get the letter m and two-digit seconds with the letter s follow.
11h28
